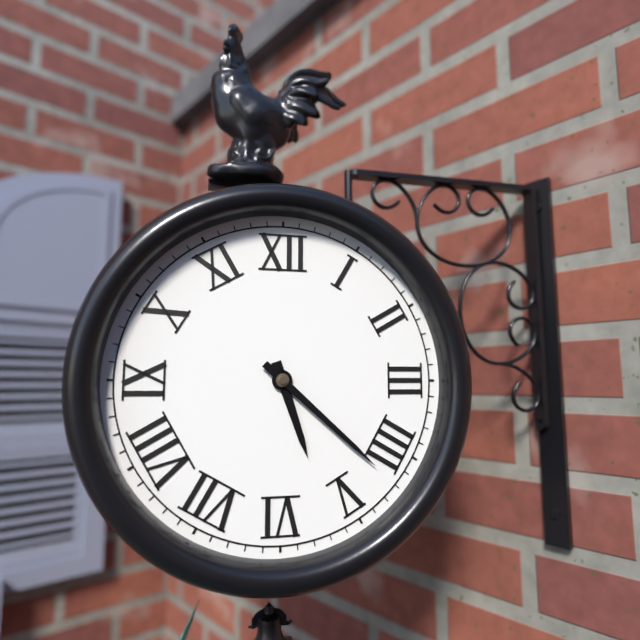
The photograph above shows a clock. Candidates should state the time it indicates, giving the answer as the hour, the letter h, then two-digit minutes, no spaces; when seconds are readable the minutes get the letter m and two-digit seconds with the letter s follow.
5h22
